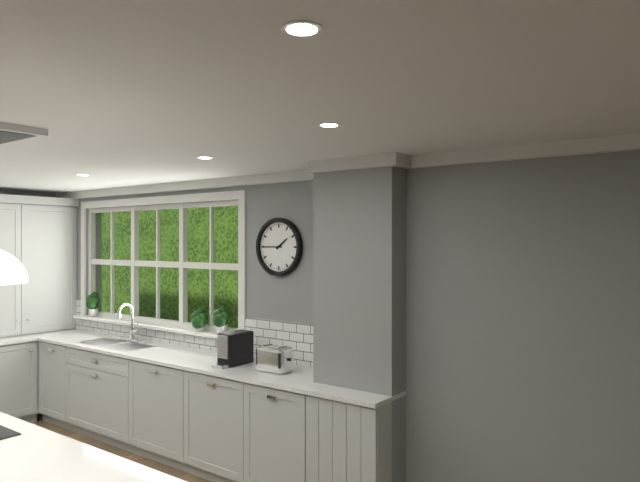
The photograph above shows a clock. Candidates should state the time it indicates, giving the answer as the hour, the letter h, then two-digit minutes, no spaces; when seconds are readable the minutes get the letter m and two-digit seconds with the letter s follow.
1h45
